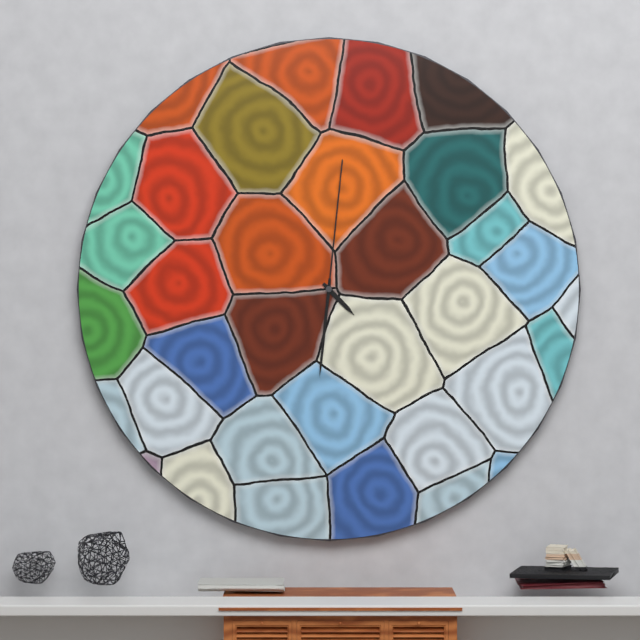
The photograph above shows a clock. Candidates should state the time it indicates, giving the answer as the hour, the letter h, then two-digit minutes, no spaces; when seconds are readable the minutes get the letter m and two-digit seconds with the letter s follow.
4h31m01s
